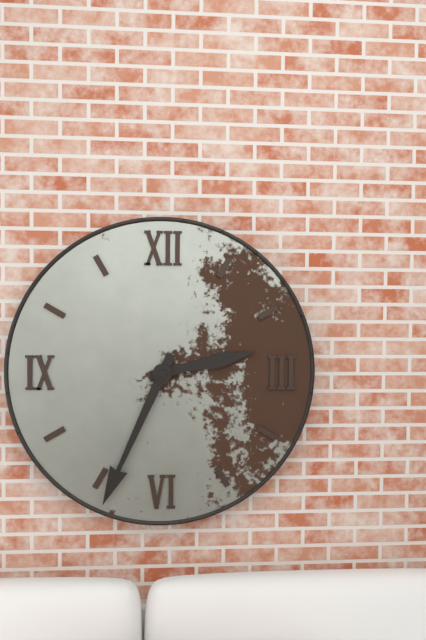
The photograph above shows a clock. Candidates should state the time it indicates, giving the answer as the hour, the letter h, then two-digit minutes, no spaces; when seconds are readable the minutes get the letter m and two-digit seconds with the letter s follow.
2h34
